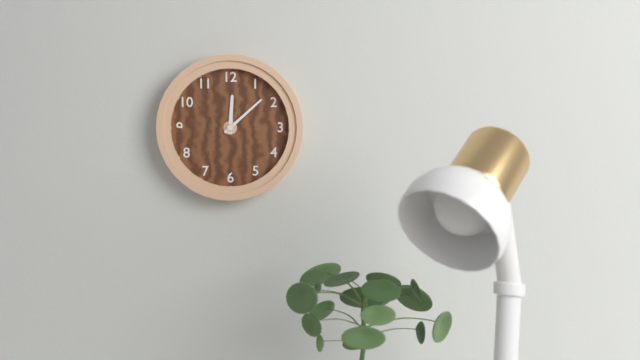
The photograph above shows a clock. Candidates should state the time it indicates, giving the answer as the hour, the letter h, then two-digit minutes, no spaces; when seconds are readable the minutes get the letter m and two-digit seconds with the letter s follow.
12h08
